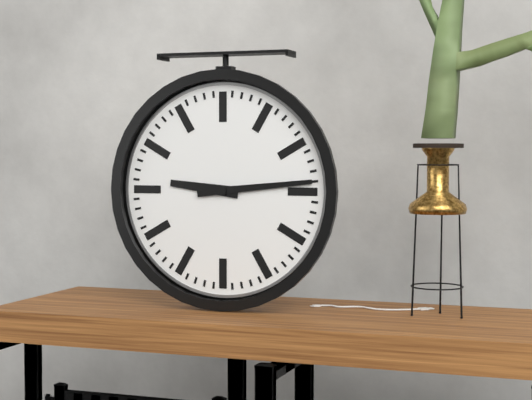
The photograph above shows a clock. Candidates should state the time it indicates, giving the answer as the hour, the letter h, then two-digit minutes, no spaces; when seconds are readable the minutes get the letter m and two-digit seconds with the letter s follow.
9h14
